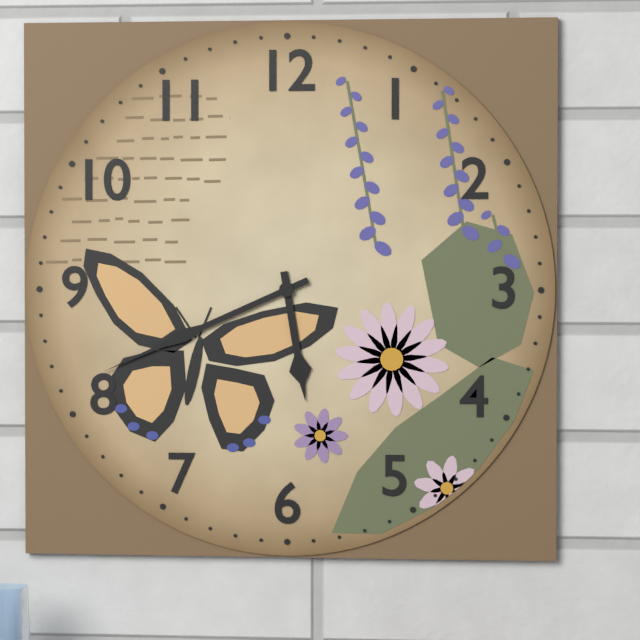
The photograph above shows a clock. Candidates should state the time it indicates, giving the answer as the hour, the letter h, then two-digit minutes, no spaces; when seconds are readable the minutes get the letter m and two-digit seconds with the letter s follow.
5h41
